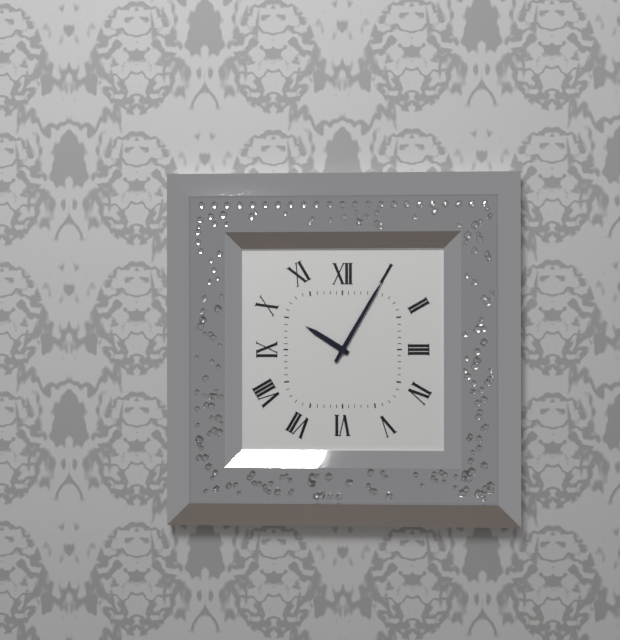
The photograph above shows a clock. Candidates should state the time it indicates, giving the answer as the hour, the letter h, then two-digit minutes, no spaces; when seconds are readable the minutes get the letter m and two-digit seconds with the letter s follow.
10h05
